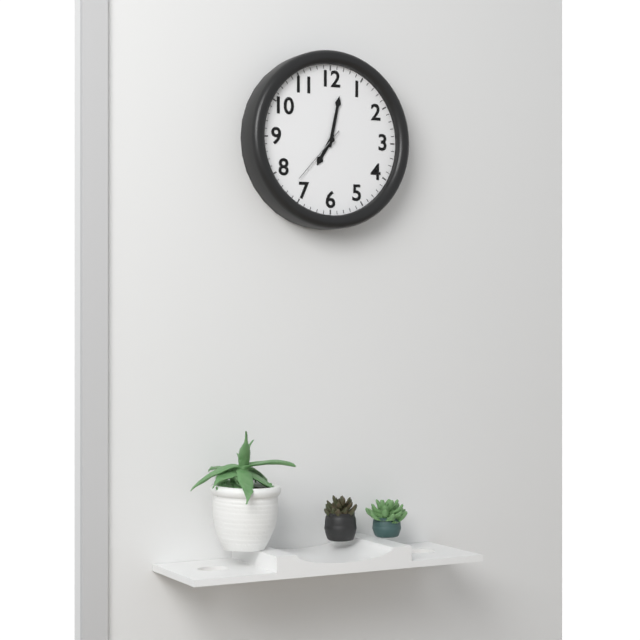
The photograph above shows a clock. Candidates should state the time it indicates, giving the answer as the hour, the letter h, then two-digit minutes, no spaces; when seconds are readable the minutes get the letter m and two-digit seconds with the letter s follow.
7h02m37s
